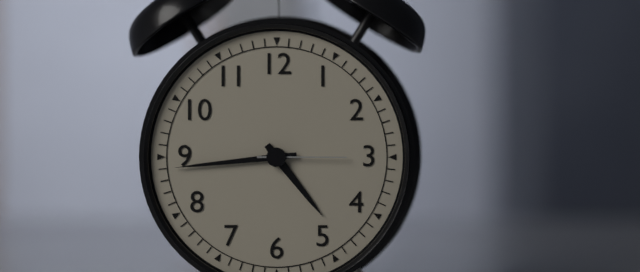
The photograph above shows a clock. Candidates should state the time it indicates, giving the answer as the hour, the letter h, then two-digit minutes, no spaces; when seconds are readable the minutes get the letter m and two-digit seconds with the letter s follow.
4h44m15s
